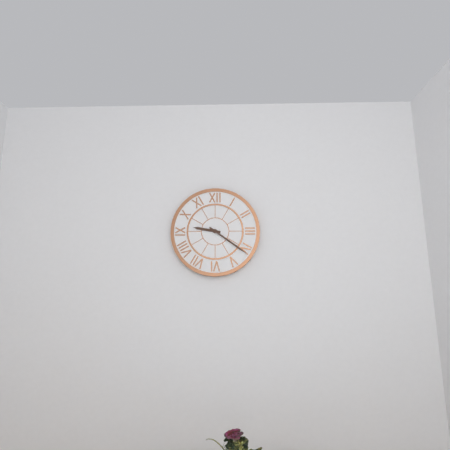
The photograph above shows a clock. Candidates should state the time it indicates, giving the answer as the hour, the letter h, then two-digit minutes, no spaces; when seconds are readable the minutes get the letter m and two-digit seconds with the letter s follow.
9h21
